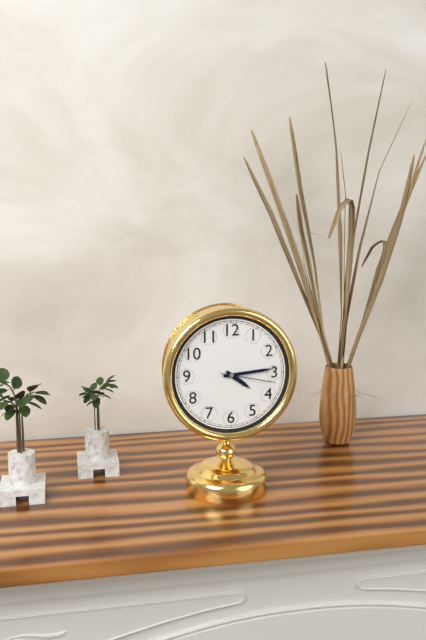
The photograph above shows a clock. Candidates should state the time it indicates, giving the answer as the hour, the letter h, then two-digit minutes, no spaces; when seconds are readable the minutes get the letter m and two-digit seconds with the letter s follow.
4h14m17s
